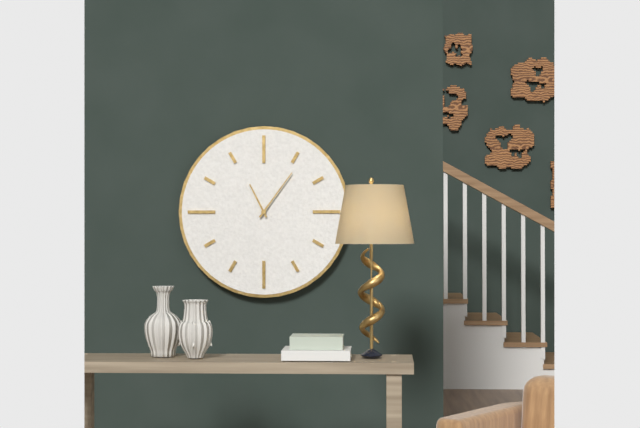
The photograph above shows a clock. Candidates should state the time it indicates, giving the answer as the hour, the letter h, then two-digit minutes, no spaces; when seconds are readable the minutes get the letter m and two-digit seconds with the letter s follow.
11h06
